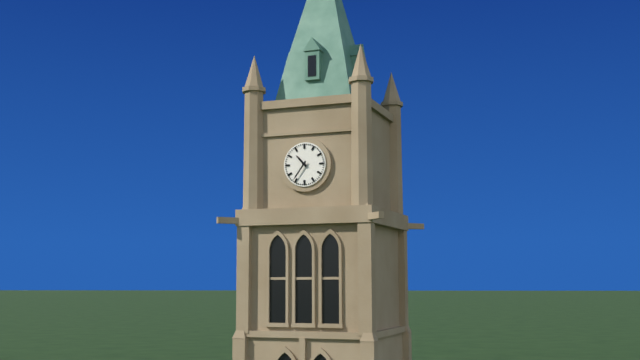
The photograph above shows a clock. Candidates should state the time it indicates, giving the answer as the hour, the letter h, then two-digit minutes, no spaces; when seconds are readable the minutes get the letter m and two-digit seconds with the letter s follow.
10h36
